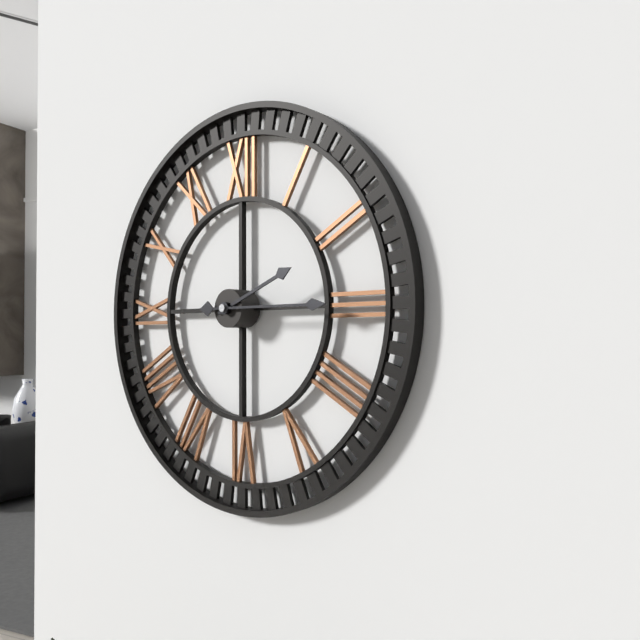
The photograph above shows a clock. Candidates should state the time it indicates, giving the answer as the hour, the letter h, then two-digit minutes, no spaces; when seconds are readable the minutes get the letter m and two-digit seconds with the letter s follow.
2h15
